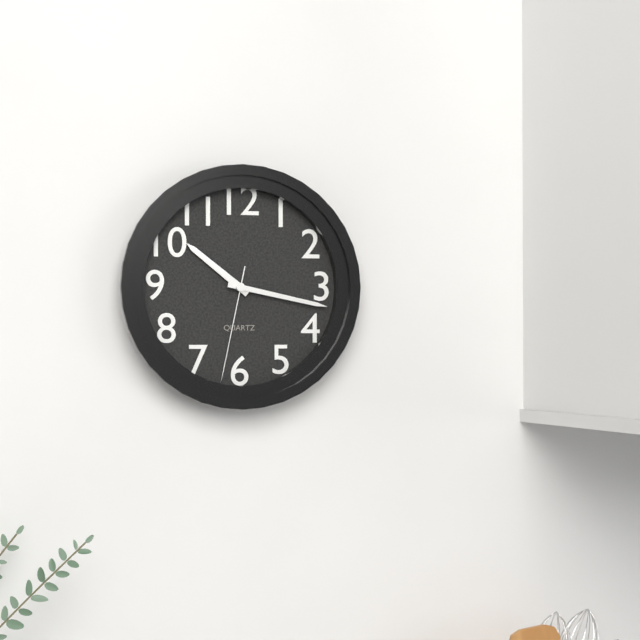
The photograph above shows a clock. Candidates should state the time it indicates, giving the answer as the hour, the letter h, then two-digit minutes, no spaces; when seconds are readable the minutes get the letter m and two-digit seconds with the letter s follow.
10h17m32s
